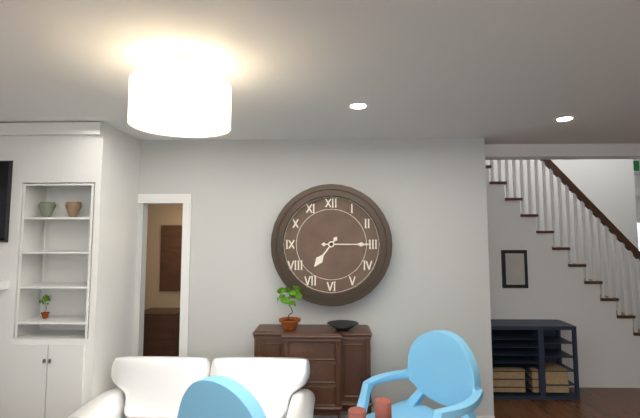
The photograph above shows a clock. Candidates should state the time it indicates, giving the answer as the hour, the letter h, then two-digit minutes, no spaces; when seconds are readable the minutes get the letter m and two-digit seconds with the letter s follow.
7h15
